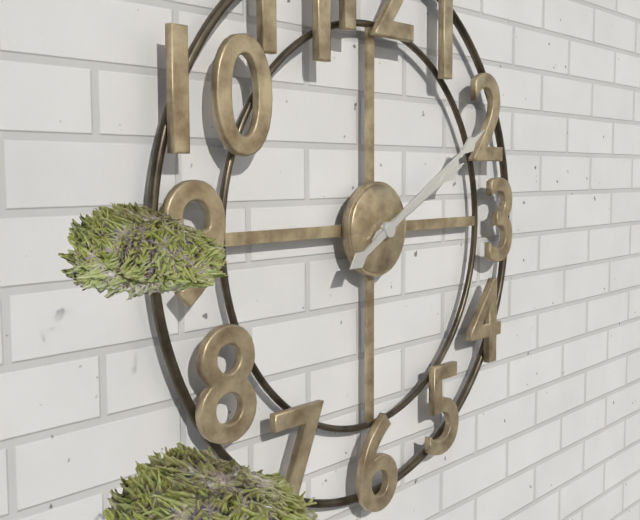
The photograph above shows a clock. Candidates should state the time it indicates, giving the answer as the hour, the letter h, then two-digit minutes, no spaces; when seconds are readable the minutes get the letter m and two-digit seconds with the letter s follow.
2h10
